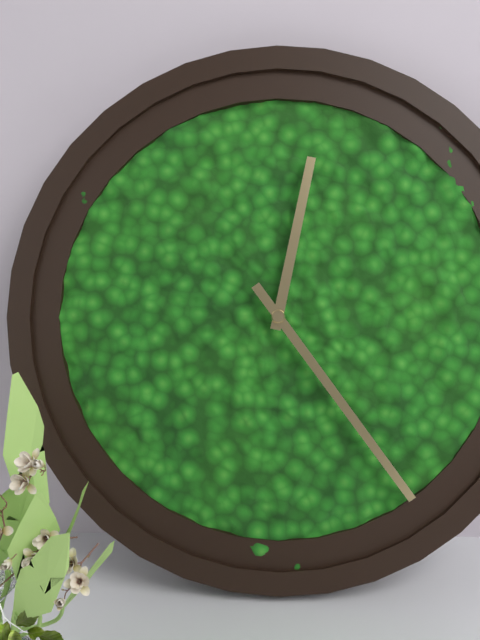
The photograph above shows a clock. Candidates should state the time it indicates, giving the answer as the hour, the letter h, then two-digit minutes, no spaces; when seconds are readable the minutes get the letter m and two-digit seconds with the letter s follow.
12h24
